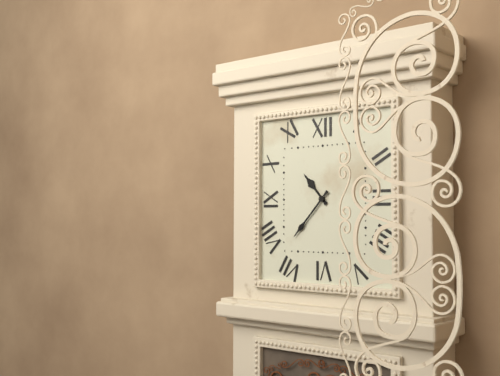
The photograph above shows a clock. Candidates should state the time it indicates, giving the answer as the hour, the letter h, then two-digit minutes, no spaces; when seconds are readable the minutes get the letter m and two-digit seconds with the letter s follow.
10h37
